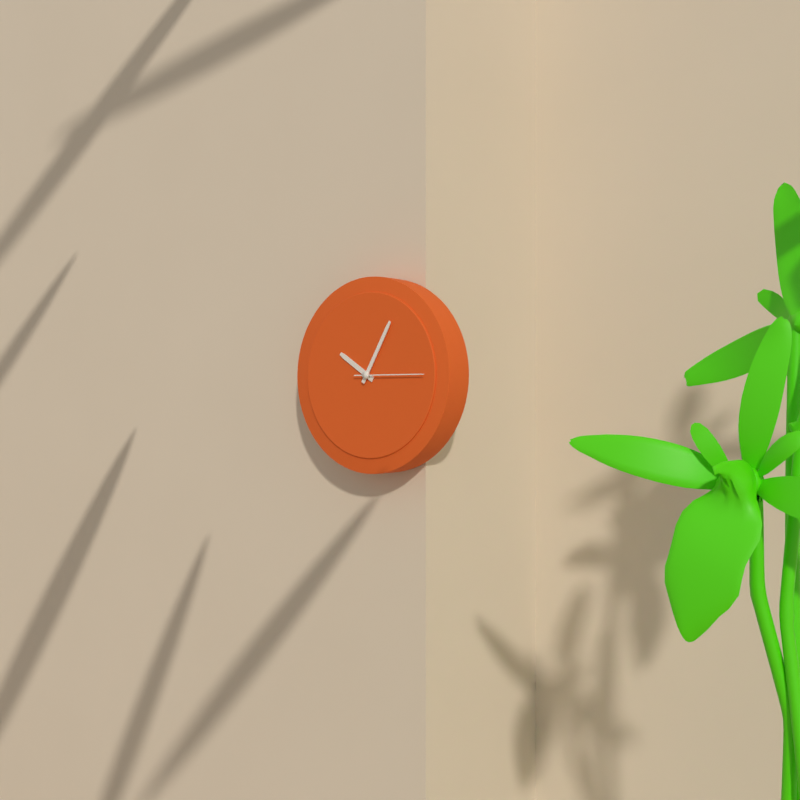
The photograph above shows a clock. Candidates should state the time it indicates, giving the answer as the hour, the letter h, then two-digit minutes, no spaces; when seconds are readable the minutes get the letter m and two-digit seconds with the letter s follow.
10h05m15s
